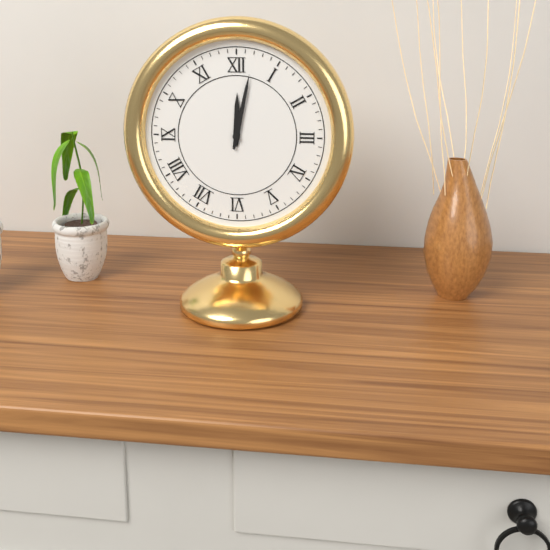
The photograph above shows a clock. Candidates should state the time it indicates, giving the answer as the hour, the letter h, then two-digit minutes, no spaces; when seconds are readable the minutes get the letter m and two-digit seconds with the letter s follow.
12h02
